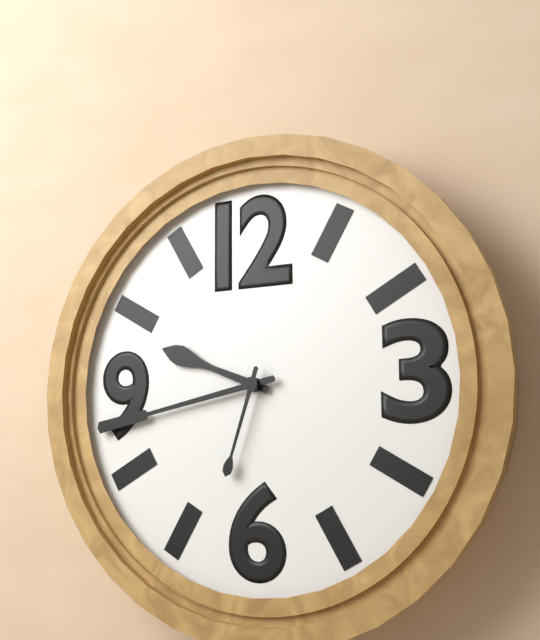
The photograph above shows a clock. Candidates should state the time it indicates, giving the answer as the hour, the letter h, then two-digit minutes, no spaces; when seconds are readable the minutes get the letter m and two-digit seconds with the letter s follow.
9h43m33s
